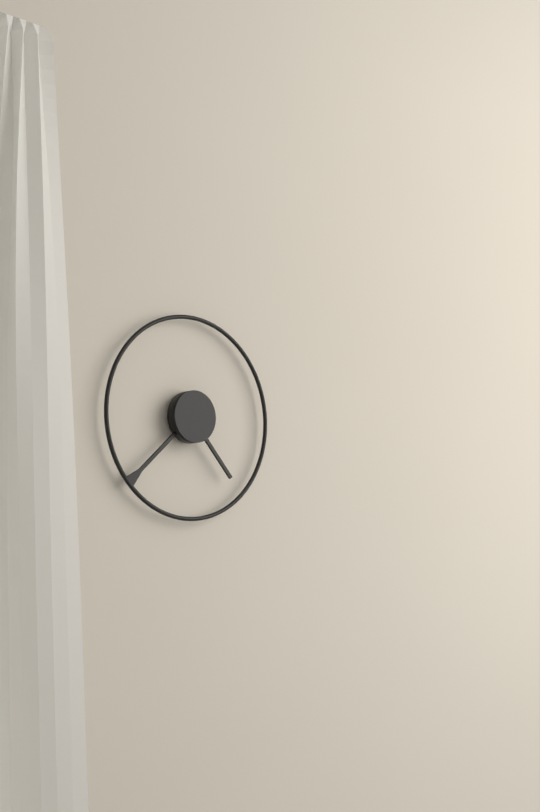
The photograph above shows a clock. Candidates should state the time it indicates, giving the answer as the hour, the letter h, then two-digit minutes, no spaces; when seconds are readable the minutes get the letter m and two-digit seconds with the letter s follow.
4h38
